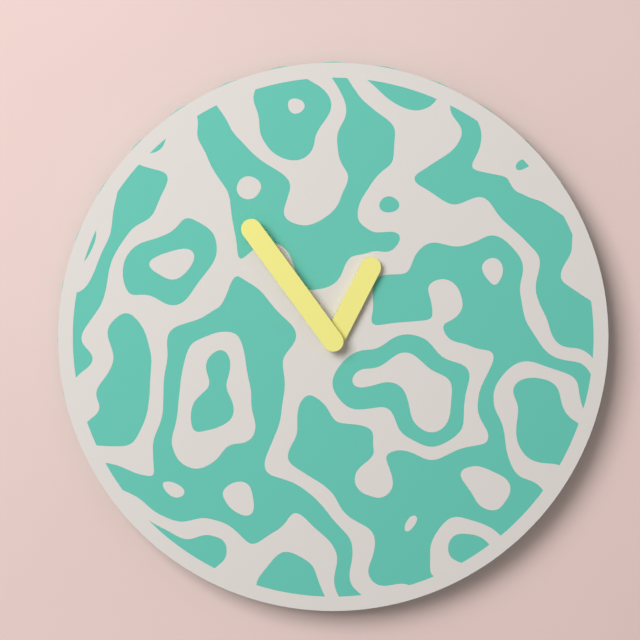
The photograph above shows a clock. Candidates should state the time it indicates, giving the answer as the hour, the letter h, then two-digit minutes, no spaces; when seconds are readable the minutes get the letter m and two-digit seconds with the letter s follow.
12h54
